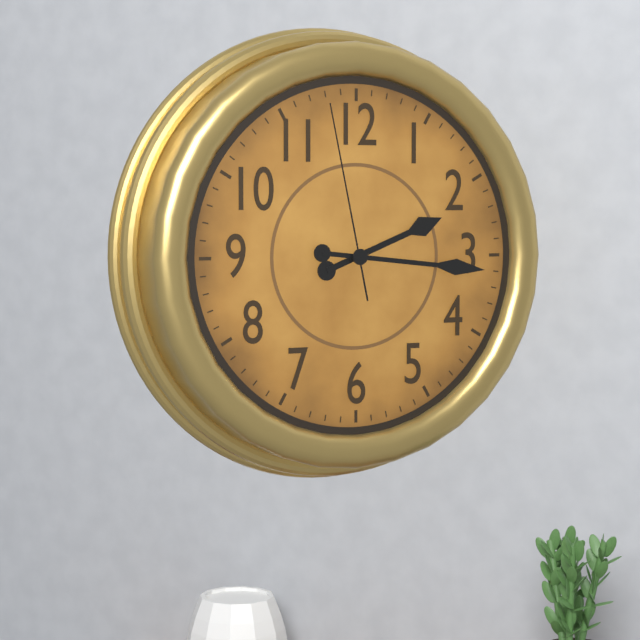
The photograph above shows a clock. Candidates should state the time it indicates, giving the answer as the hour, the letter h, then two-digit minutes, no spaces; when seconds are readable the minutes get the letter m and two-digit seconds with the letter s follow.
2h16m58s
